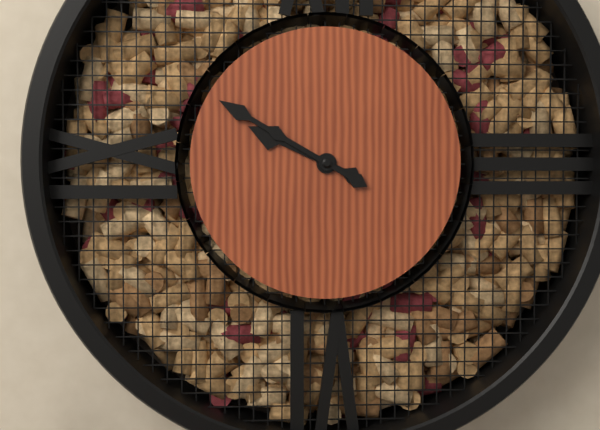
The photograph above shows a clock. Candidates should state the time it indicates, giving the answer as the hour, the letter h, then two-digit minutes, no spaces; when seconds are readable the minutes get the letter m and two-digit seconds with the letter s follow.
9h50
